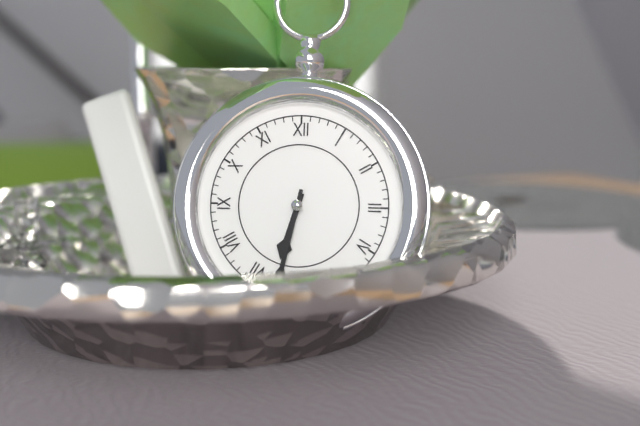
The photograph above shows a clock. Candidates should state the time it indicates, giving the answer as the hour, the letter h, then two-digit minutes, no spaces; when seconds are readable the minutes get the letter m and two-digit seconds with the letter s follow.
6h32
